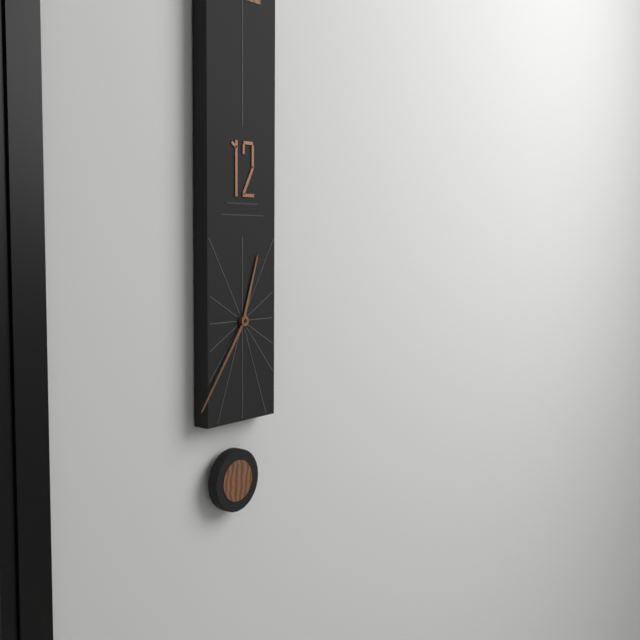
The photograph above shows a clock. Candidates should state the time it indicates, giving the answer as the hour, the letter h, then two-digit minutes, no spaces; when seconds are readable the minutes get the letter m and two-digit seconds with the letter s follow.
12h36
